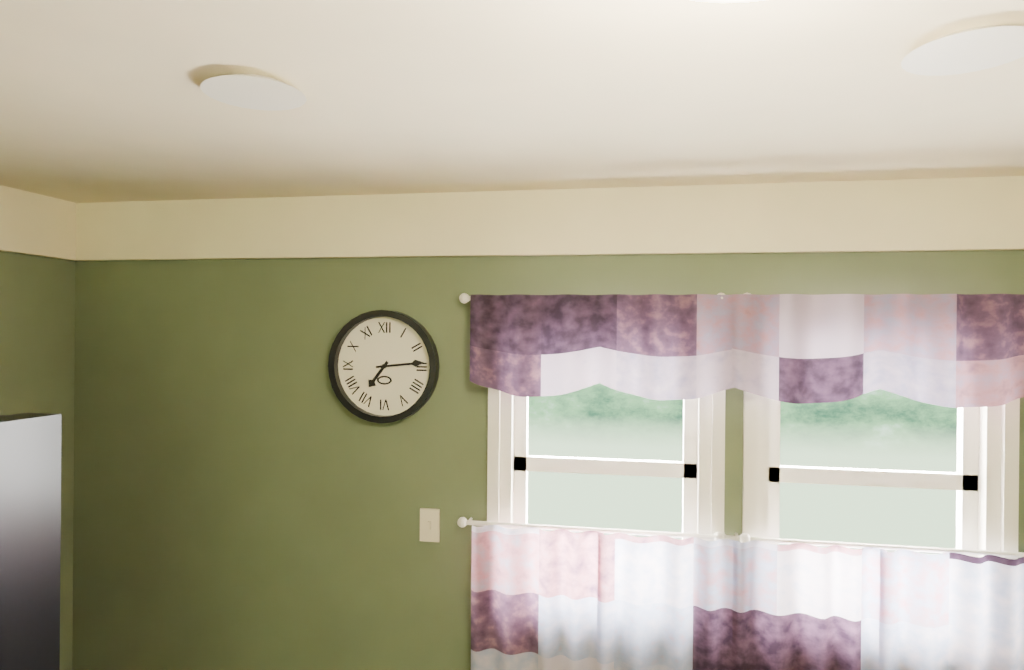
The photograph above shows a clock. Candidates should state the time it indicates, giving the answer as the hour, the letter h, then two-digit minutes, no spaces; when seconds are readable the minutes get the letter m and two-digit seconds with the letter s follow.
7h14
